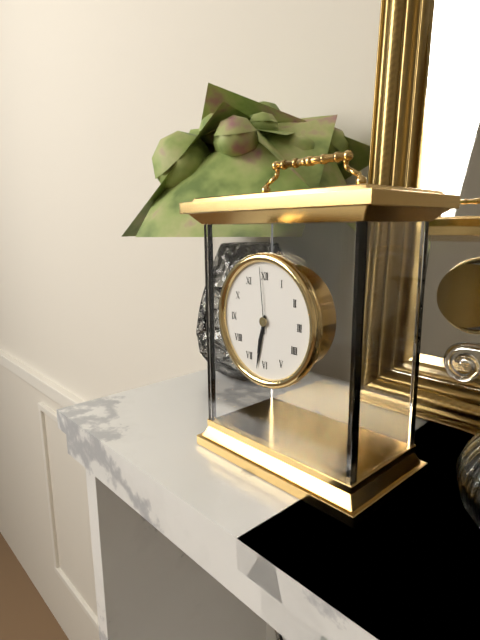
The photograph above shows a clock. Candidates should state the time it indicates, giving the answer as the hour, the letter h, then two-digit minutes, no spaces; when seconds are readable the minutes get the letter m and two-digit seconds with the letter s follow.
6h32m59s
